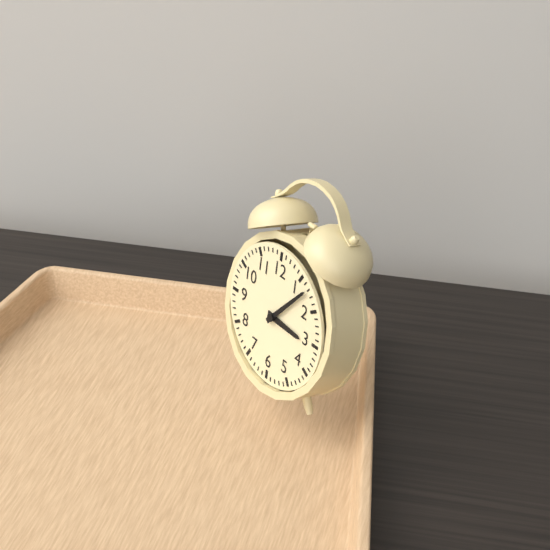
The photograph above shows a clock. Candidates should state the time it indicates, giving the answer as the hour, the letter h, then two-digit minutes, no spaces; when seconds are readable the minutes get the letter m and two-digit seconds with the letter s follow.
3h07
